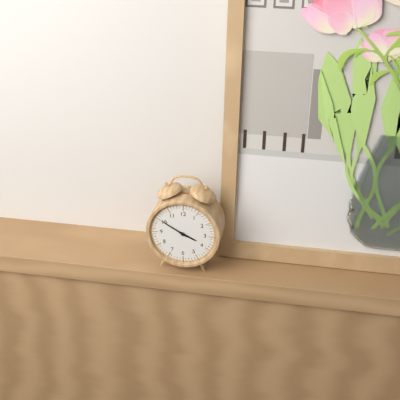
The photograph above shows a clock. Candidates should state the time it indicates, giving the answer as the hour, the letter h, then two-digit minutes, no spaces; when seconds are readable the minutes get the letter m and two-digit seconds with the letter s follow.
3h50
